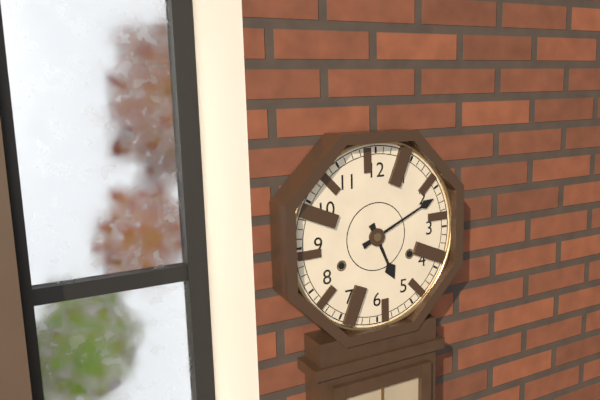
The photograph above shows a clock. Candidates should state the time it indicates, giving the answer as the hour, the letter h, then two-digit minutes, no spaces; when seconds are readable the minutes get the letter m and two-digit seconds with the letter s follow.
5h11
